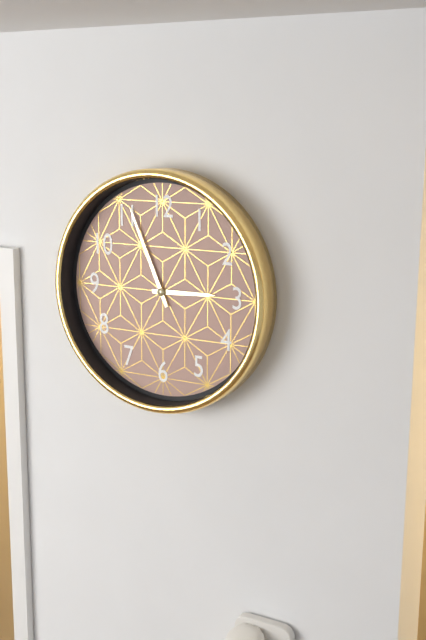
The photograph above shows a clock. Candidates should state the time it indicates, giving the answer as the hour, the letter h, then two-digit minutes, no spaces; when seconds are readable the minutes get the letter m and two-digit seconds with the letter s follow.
2h56
